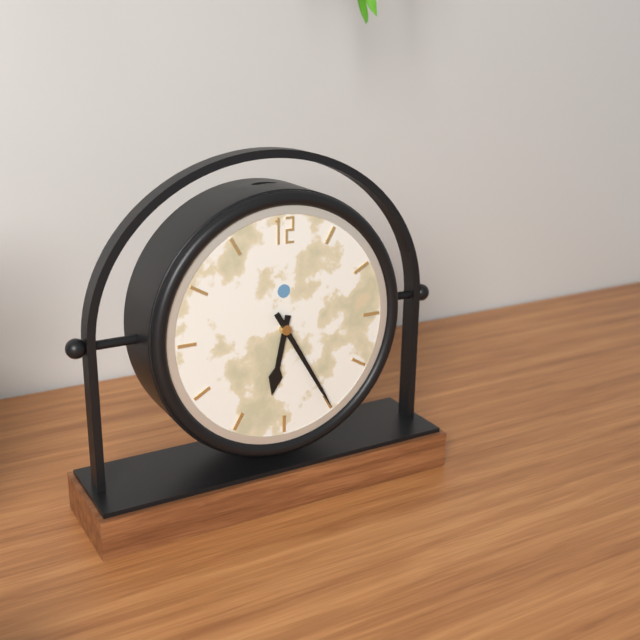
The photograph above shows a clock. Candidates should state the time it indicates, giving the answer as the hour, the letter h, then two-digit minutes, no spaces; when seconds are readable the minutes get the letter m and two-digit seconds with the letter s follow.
6h25
